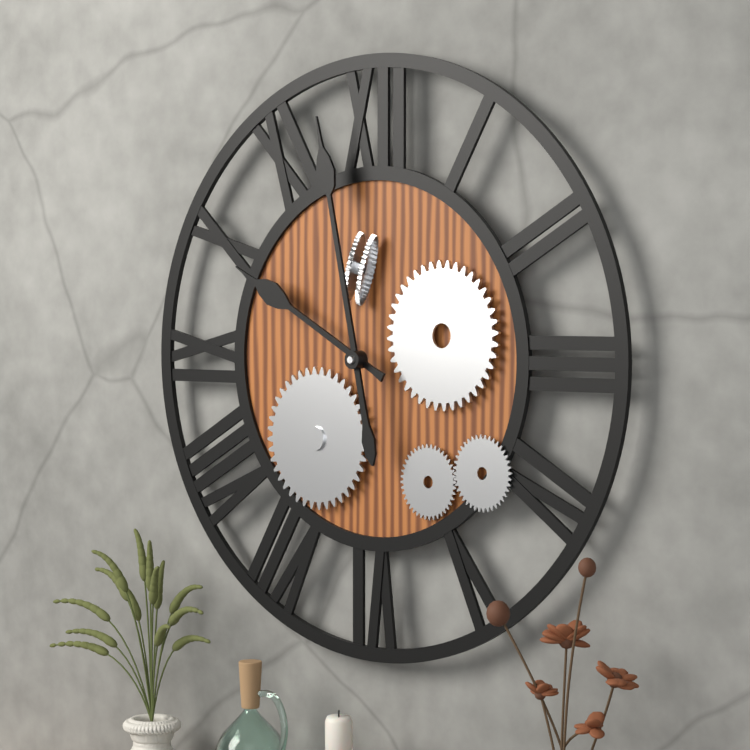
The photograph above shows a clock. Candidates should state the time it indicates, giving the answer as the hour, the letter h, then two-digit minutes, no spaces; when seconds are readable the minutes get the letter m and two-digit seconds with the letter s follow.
9h58
